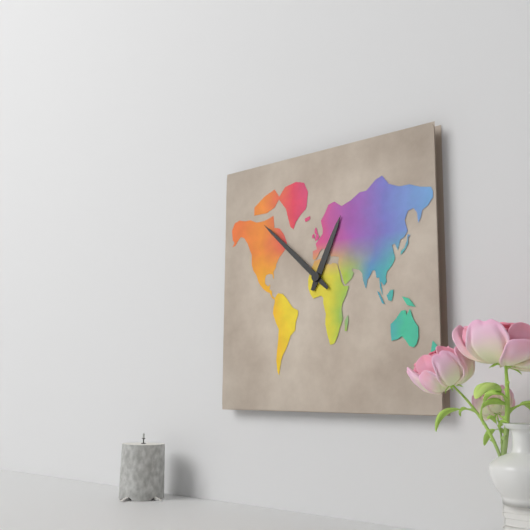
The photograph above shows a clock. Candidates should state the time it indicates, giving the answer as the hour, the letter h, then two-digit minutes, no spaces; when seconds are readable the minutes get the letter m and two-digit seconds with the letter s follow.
12h52
